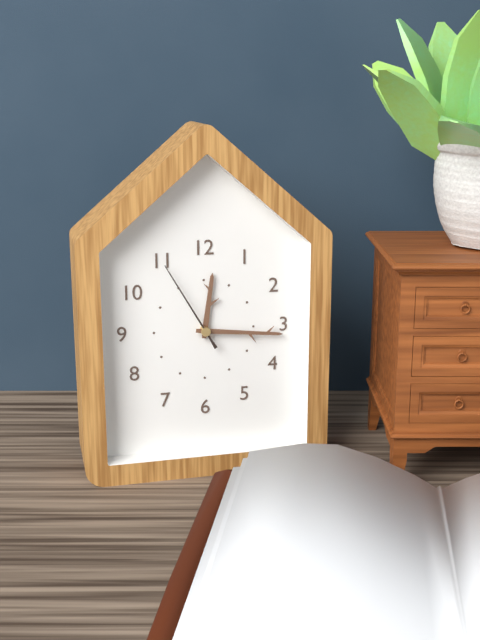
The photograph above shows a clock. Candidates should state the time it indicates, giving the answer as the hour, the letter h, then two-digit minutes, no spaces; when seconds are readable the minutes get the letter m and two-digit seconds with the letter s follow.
12h16m55s
